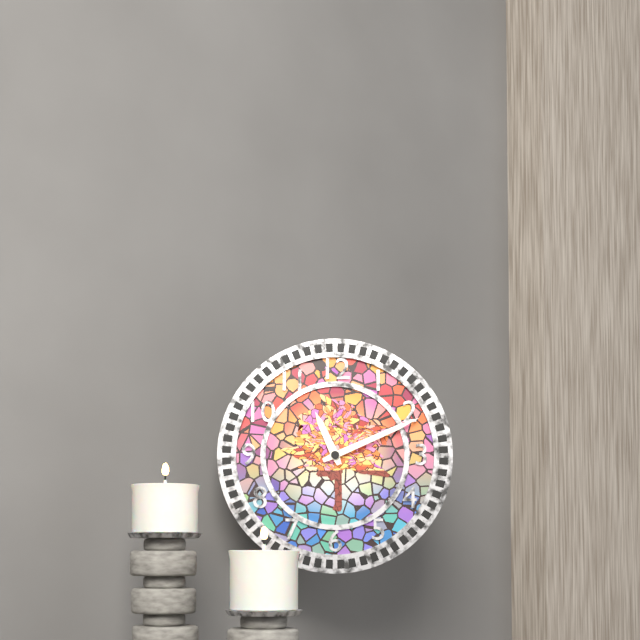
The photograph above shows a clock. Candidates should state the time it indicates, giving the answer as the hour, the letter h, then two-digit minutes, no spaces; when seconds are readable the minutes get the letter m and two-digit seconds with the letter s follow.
11h11
